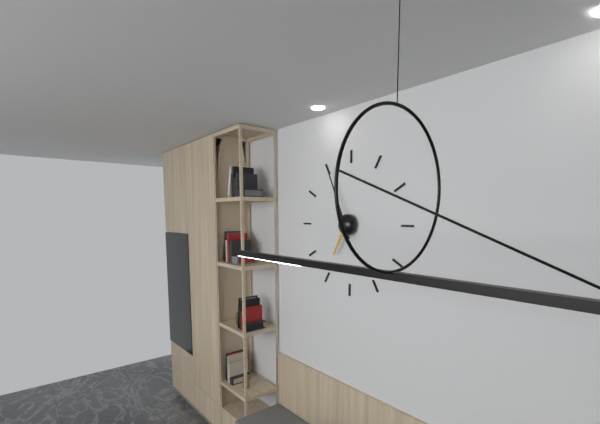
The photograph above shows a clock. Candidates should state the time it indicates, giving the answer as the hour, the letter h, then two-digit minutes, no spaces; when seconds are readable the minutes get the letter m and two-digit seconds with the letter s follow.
6h56
